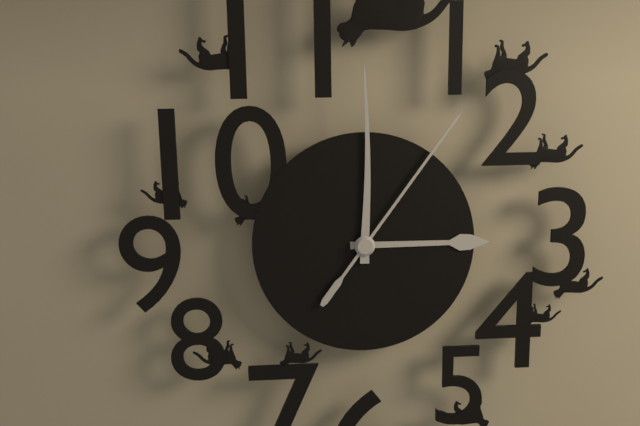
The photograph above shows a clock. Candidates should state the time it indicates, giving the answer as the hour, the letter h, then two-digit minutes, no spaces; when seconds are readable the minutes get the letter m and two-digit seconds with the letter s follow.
3h00m06s
